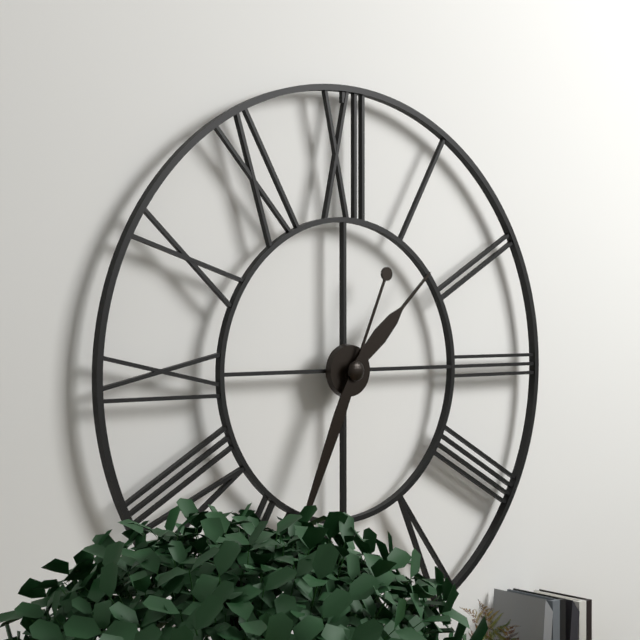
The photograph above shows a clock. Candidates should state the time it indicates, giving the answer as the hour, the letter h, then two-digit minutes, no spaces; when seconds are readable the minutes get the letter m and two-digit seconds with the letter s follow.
1h34
